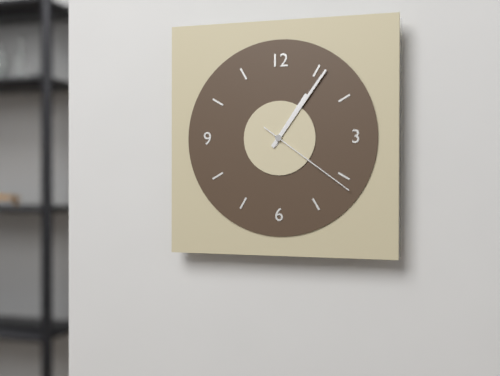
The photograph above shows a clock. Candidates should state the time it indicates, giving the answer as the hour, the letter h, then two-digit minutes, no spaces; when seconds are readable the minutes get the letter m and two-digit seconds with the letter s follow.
1h06m21s
